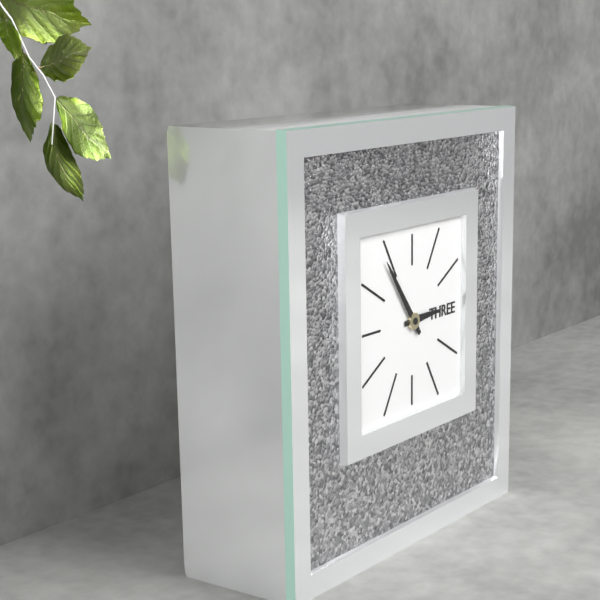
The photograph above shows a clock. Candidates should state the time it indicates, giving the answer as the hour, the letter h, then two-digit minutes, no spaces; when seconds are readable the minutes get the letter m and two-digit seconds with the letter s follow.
2h54
